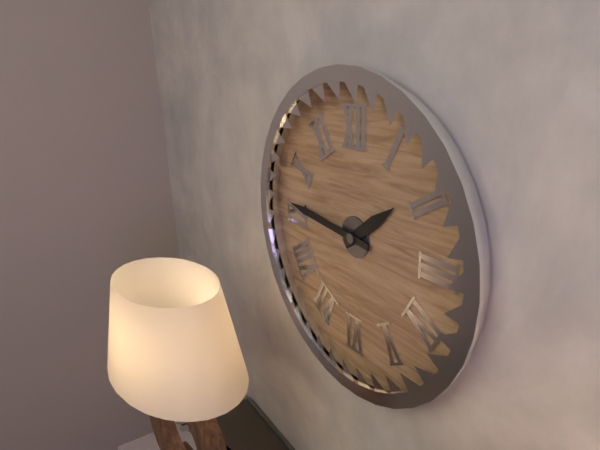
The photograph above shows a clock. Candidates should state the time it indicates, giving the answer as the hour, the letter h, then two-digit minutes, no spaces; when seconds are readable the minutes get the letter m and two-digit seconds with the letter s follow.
1h46
